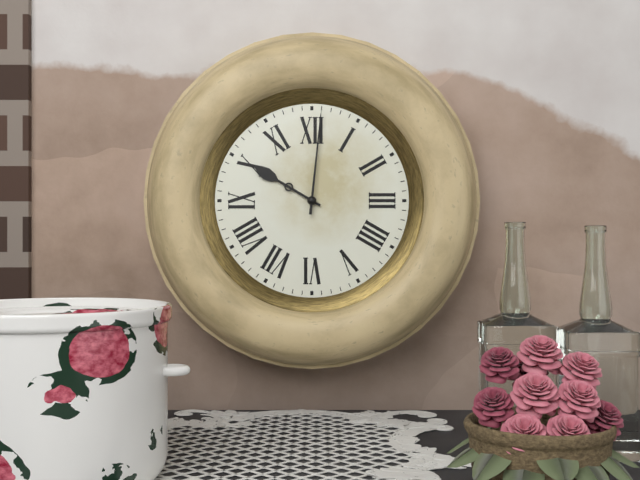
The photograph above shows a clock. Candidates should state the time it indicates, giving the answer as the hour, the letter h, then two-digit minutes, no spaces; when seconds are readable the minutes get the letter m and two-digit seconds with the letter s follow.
10h01
